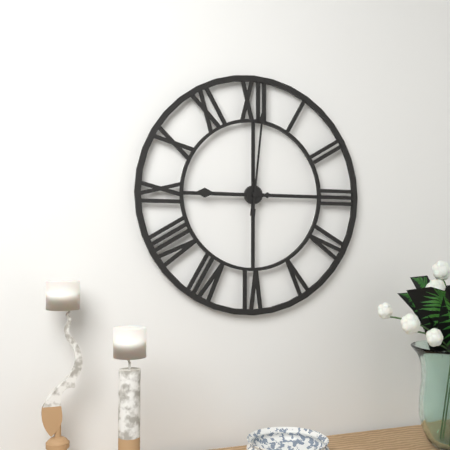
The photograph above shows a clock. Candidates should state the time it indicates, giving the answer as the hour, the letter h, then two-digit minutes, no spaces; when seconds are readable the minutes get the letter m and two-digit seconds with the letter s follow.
9h01
